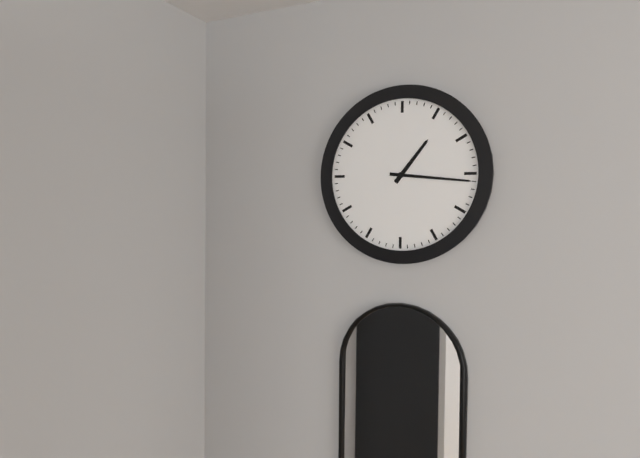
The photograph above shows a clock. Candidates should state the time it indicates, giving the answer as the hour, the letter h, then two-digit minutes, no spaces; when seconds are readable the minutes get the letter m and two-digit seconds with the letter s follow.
1h16
